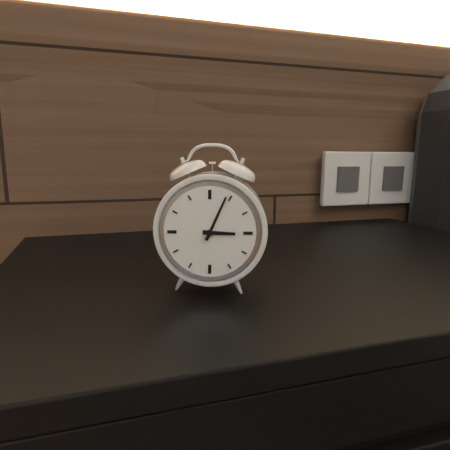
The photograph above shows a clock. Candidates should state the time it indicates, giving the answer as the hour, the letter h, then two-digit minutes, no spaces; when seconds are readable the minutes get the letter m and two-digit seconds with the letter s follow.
3h04
